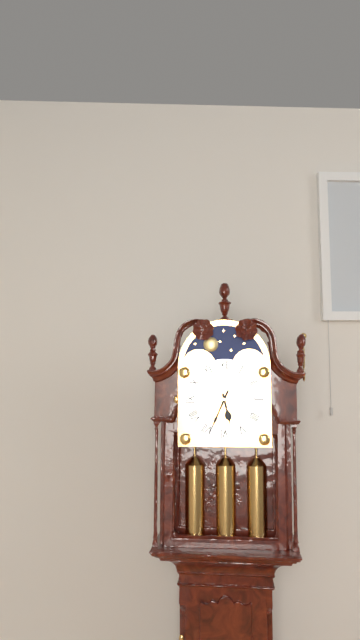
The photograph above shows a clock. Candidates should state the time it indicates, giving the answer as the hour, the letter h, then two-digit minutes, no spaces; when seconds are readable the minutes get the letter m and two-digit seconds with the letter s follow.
5h34
